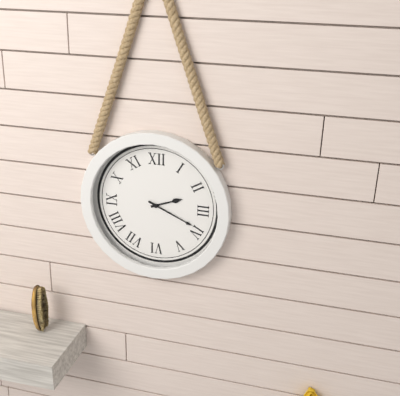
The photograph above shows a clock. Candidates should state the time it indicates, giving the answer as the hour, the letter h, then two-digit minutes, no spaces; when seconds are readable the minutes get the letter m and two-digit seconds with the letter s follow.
2h19
